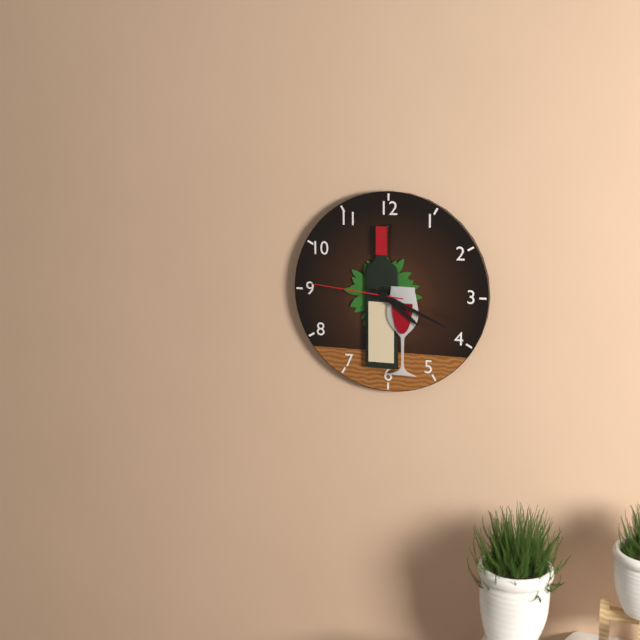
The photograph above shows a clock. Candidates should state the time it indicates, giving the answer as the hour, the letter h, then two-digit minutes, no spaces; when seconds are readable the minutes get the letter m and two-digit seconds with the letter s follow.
4h19m46s
